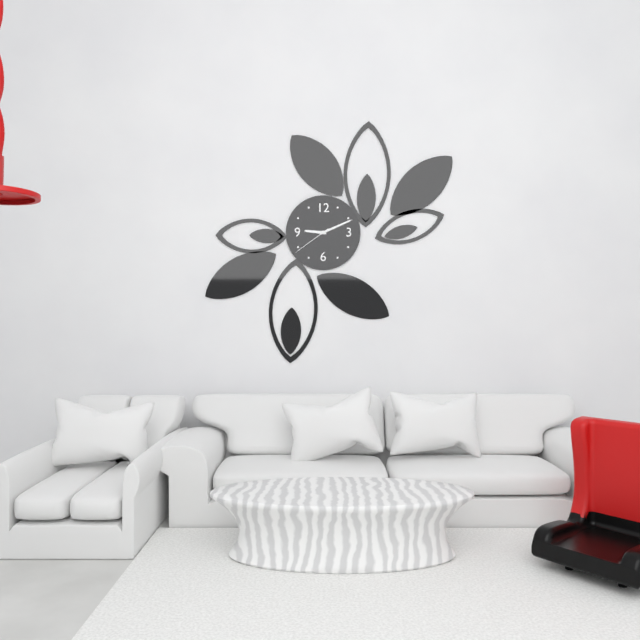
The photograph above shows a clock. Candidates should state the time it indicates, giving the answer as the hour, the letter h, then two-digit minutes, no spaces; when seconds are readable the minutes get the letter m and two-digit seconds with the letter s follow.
9h11
